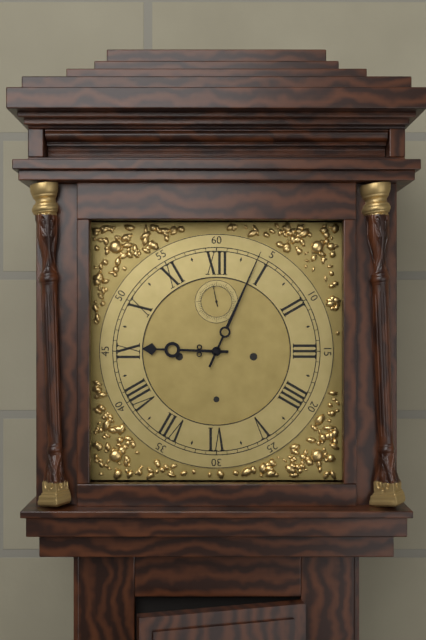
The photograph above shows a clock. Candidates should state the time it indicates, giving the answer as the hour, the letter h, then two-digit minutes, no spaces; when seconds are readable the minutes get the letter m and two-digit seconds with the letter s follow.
9h04
